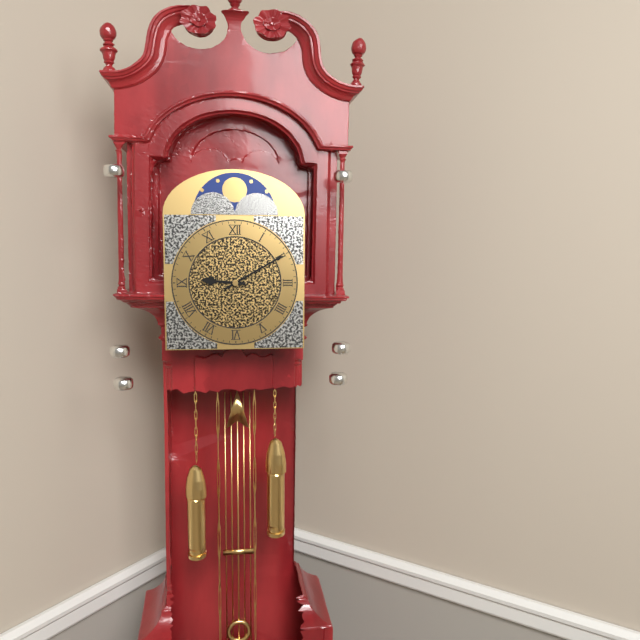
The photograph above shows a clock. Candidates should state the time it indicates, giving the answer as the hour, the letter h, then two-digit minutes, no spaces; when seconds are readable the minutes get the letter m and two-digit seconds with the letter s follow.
9h10
